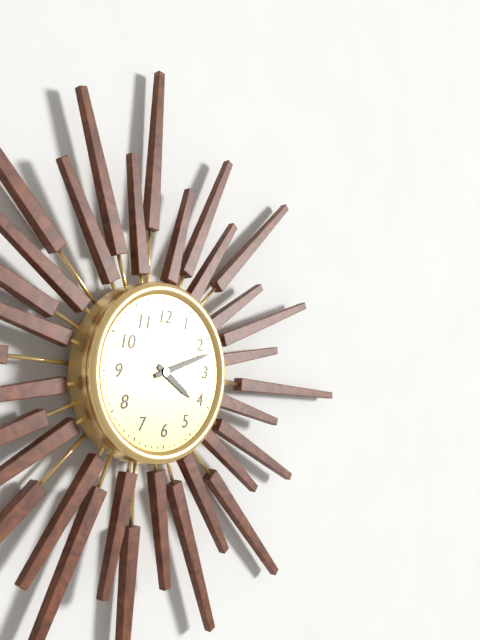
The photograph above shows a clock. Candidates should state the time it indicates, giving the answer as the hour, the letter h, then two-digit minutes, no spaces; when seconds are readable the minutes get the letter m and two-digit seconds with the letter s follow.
4h12
